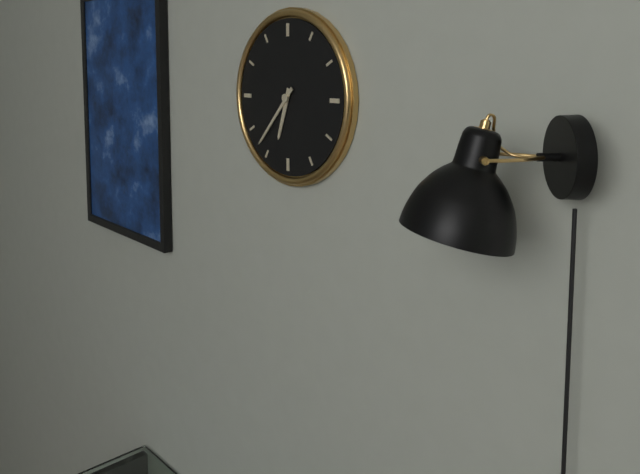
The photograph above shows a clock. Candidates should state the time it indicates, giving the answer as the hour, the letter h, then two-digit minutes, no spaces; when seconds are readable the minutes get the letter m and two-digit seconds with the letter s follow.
6h37
